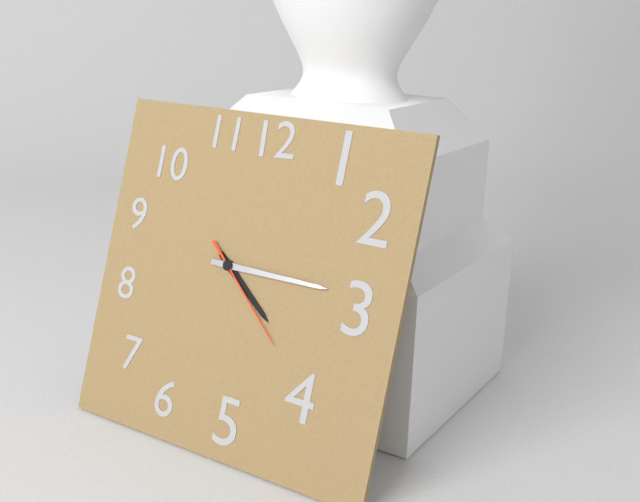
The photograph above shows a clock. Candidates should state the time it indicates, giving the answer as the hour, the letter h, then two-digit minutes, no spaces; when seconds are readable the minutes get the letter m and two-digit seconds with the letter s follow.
4h15m22s
